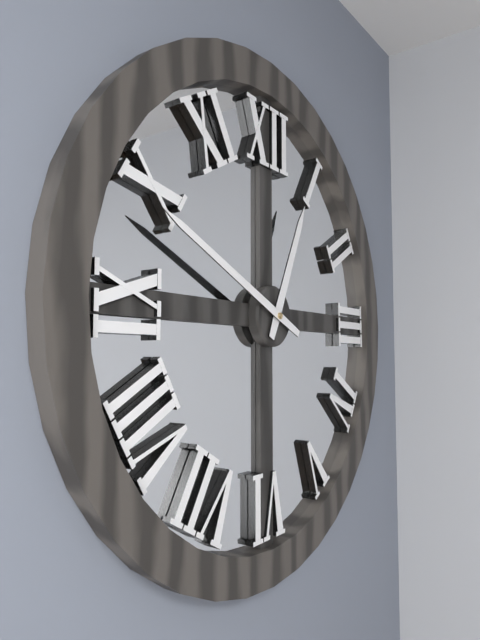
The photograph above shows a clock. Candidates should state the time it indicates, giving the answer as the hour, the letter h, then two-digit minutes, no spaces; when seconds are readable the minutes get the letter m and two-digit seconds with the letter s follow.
12h49
